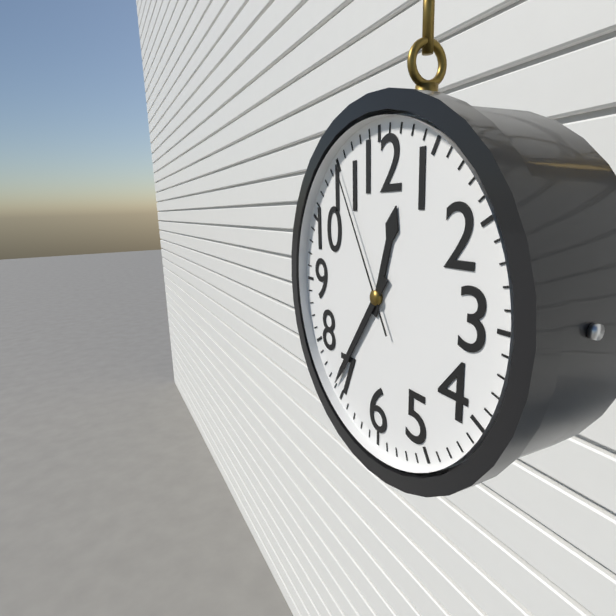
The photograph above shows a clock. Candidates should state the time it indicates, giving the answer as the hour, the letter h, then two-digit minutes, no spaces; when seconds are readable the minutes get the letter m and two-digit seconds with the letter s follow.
12h36m55s
